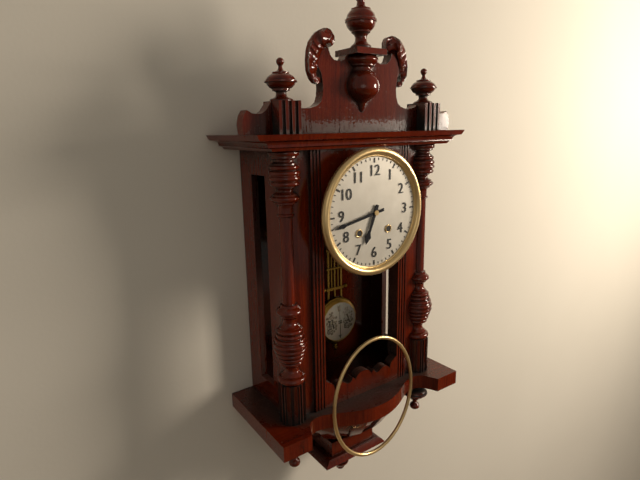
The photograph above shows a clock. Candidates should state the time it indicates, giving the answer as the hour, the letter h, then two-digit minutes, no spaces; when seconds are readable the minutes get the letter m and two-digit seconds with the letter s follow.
6h43
